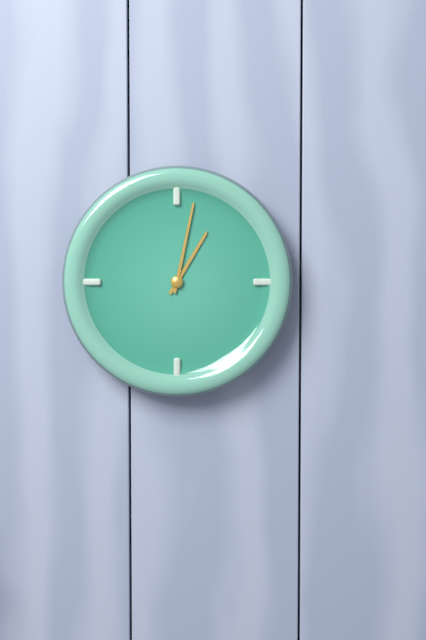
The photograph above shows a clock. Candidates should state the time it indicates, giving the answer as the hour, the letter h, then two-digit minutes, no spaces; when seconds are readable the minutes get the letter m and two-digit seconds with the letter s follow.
1h02
